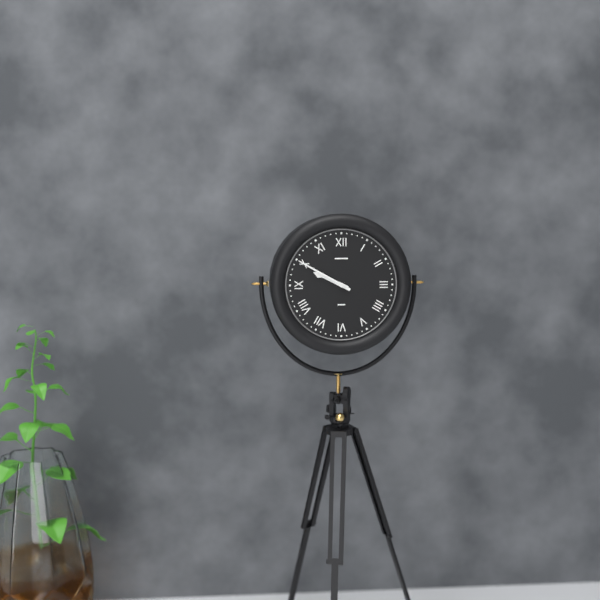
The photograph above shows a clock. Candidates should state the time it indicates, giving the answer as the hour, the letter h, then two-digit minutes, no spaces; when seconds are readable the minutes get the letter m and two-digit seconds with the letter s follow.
9h50
